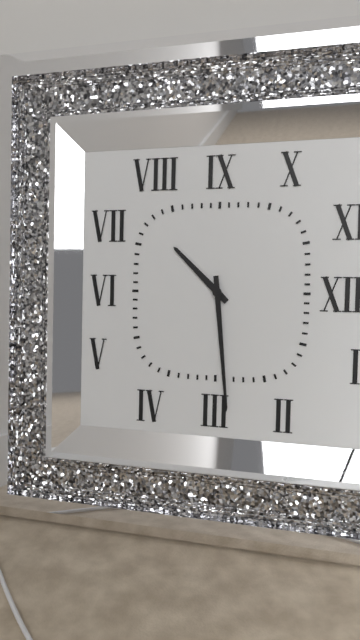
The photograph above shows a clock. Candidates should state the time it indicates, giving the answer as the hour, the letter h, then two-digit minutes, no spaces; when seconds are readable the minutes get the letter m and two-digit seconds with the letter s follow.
10h29
